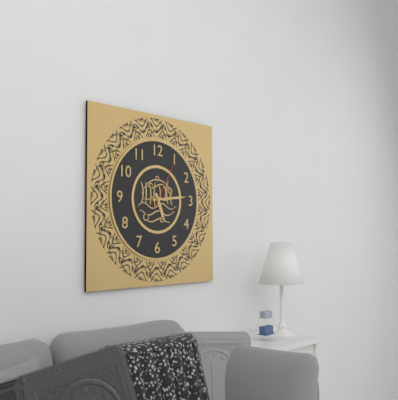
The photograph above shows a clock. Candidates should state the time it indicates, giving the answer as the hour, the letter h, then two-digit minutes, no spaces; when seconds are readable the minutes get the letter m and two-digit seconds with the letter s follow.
5h14
